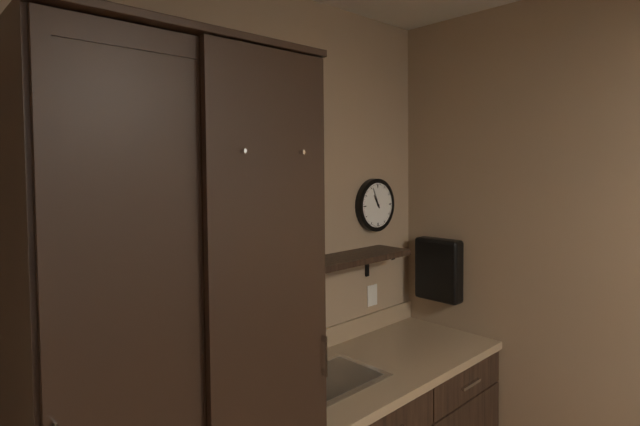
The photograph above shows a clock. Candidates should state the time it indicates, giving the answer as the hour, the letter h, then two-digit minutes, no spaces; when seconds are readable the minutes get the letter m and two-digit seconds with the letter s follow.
10h56
